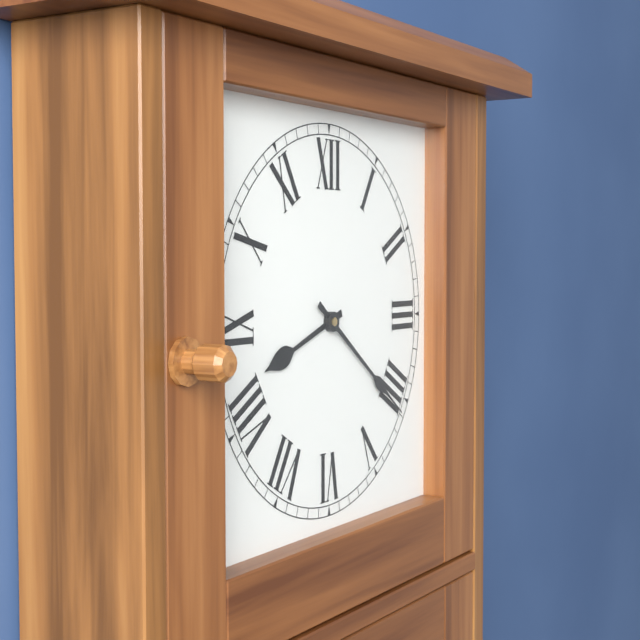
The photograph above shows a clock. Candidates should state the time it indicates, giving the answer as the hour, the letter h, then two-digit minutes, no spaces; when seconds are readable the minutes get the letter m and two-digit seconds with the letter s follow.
8h21
